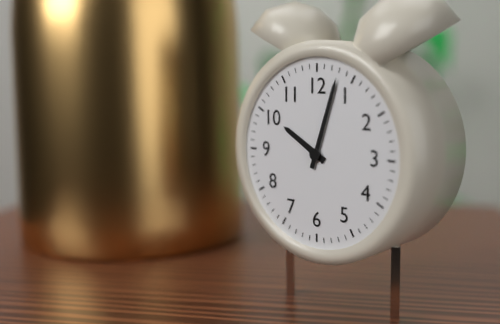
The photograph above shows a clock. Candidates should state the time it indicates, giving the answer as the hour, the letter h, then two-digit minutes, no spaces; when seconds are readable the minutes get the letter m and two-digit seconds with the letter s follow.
10h03
